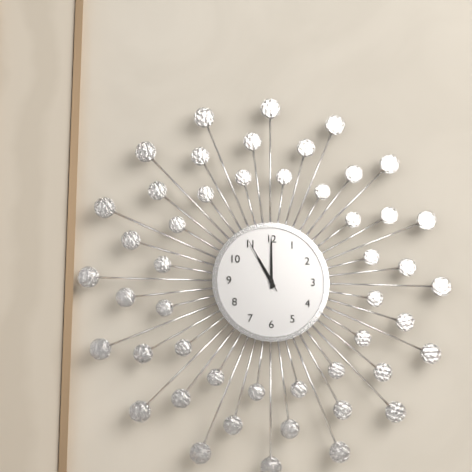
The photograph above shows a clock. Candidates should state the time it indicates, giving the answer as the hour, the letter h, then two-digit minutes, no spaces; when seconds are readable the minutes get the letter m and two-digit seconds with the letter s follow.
11h00m55s
